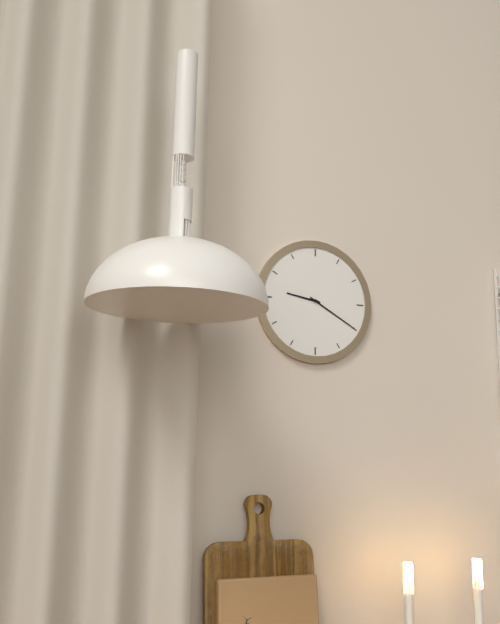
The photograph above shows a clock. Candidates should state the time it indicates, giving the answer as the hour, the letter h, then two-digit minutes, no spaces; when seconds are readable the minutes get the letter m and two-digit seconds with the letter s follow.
9h20
